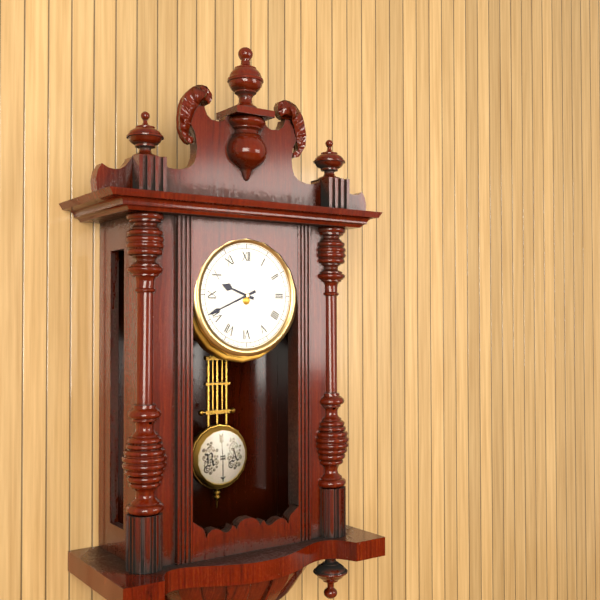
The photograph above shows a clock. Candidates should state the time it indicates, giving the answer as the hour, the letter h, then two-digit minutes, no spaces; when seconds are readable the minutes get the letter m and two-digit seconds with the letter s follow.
9h41
